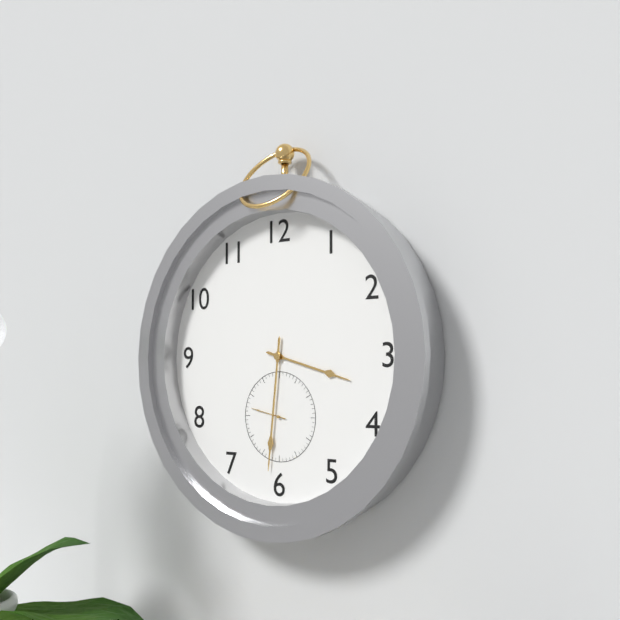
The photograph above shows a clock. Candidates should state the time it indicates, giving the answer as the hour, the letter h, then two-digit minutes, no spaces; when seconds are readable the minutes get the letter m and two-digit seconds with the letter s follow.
3h31
